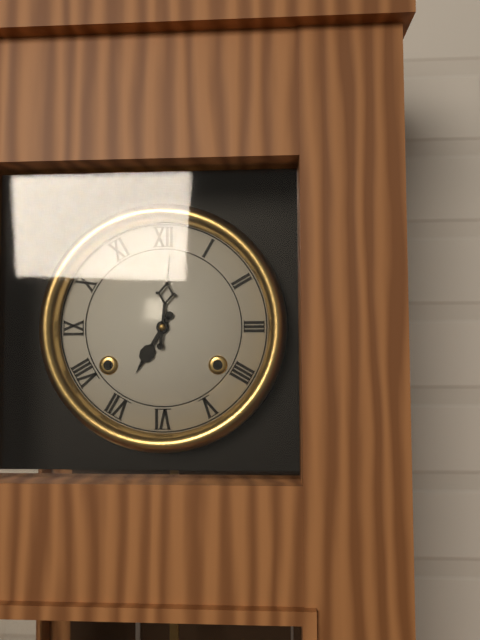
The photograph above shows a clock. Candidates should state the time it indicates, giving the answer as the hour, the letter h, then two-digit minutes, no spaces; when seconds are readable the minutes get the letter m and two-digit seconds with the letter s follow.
7h01
